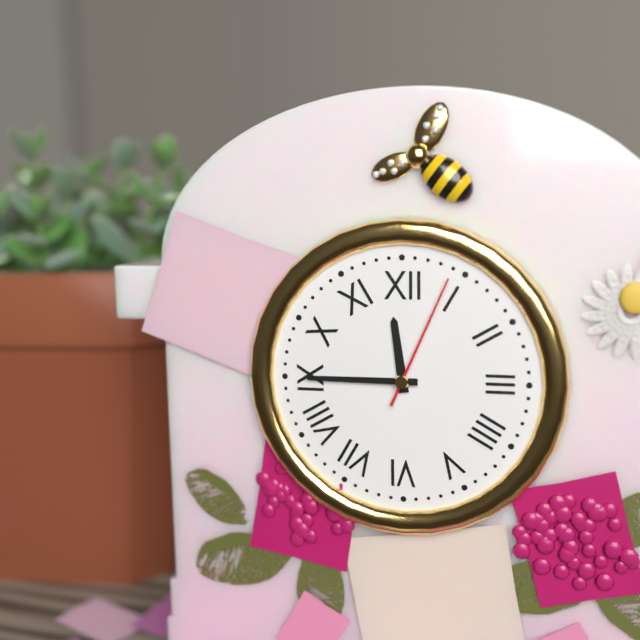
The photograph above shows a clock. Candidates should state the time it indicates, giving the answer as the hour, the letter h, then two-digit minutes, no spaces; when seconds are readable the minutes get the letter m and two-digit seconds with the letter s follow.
11h45m04s
